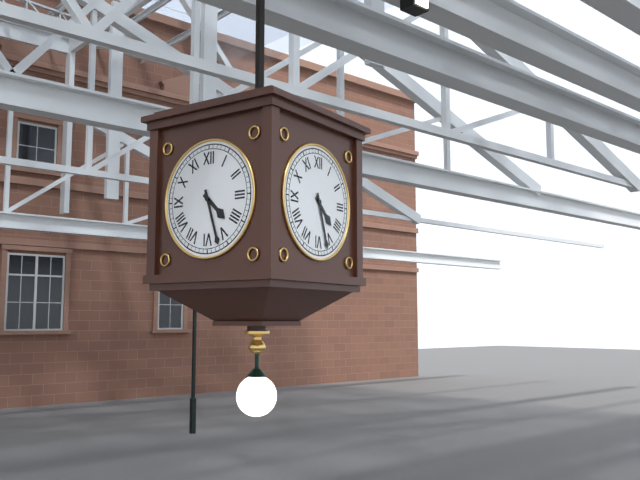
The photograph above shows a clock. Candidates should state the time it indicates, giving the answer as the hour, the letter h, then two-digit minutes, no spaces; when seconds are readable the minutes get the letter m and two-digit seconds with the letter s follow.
4h27
